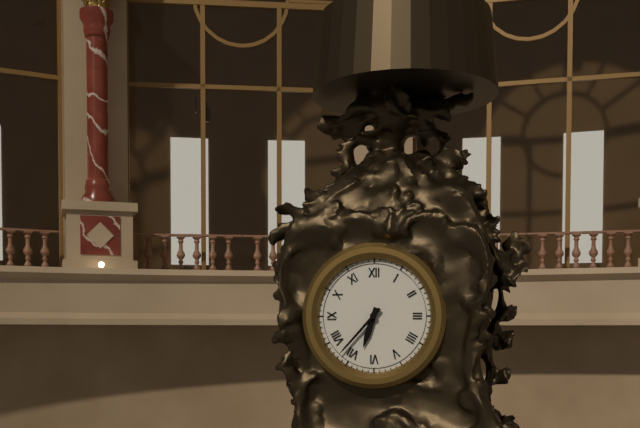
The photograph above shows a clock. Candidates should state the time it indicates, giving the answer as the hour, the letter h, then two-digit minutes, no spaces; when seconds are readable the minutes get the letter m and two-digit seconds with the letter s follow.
6h37
